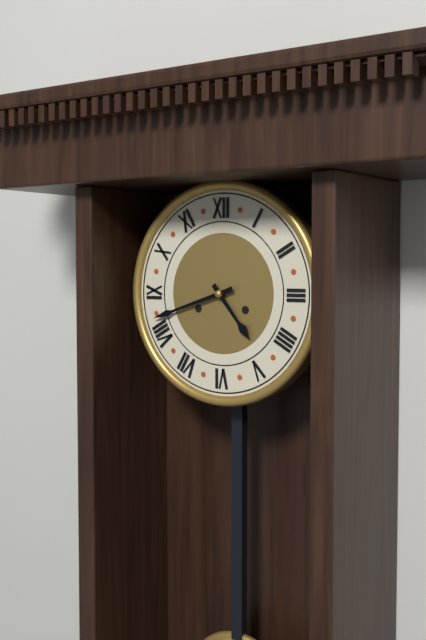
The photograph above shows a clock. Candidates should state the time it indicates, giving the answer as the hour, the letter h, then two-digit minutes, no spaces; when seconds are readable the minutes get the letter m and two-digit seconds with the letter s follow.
4h42
